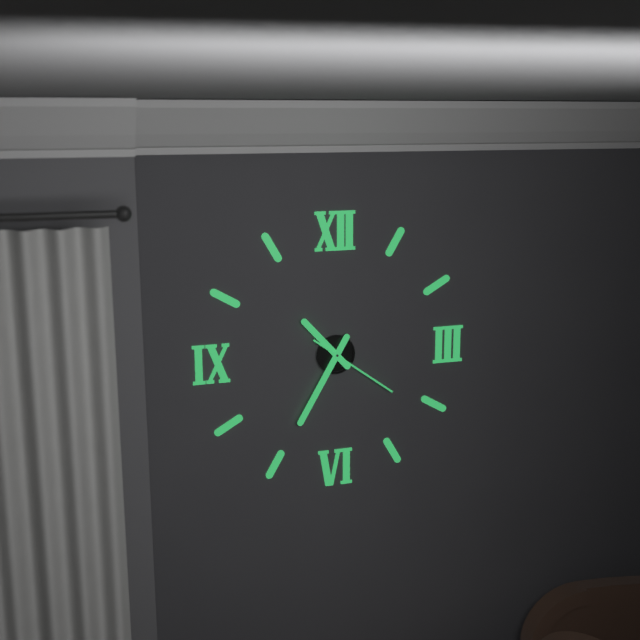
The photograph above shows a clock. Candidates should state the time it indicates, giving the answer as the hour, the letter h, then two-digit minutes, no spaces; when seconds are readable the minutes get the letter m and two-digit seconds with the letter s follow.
10h35m21s
